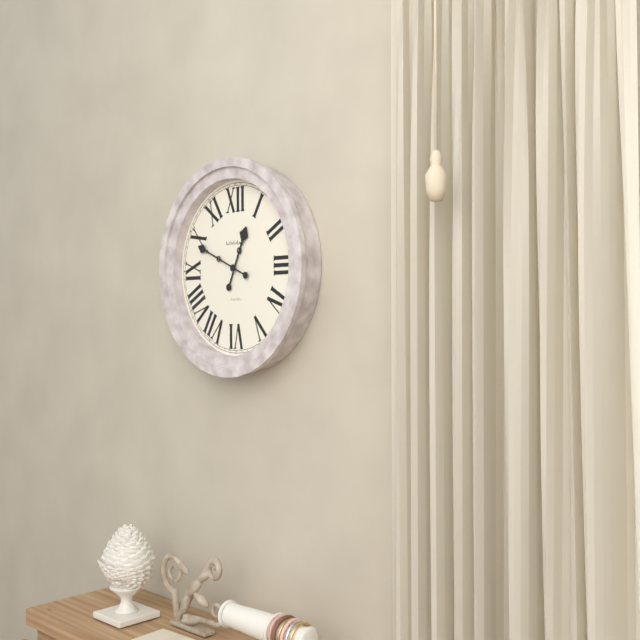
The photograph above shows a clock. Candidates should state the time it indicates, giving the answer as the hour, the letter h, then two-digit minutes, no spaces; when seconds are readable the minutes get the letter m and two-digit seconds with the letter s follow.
12h49
